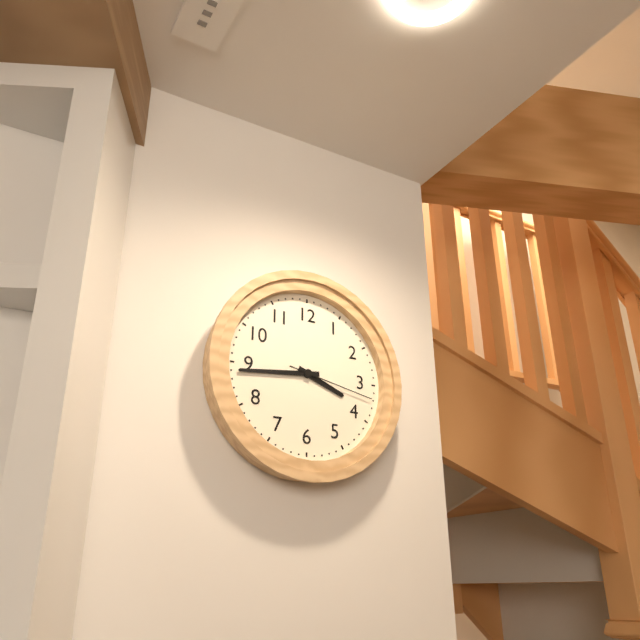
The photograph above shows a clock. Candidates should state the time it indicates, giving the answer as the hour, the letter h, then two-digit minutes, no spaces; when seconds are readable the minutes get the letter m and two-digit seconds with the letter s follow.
3h44m17s
